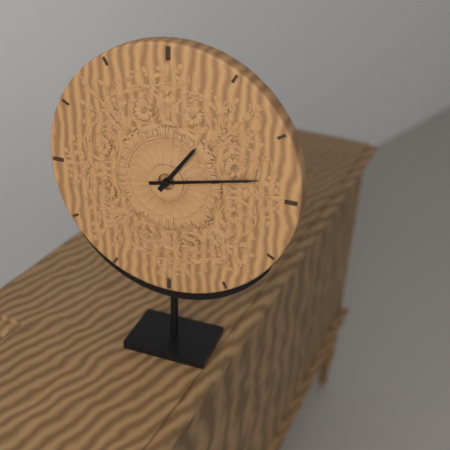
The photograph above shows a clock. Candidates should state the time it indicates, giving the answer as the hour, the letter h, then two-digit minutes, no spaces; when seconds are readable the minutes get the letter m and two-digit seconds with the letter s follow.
1h13
